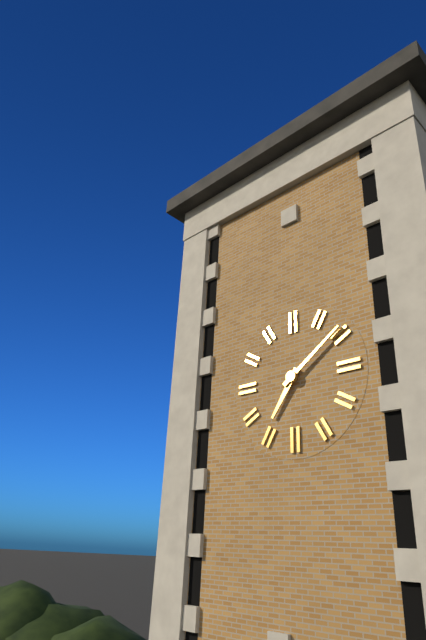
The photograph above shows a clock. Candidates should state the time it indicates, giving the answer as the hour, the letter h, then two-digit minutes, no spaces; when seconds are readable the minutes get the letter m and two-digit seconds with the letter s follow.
7h09
